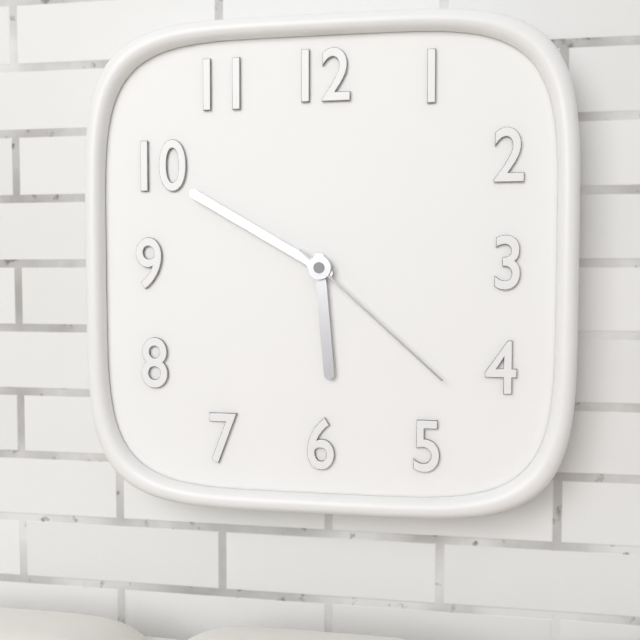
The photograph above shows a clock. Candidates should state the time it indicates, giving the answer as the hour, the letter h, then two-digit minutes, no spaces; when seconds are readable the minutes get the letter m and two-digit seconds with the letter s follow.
5h50m22s
